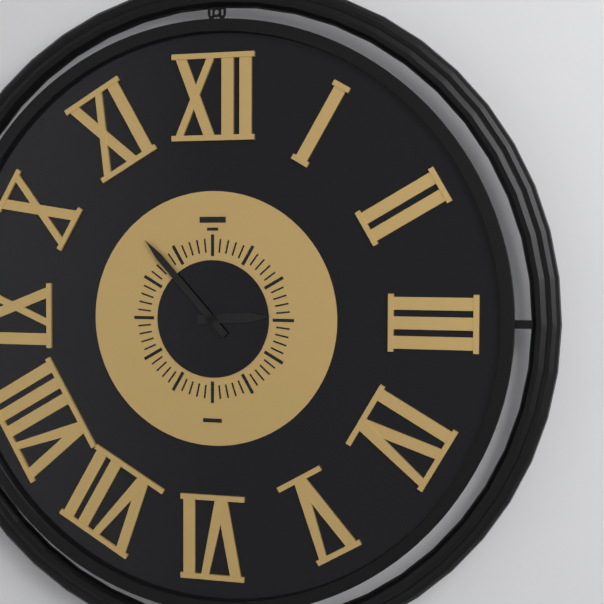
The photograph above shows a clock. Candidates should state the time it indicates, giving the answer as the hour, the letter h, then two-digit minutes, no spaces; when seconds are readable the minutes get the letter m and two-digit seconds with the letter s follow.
2h53
